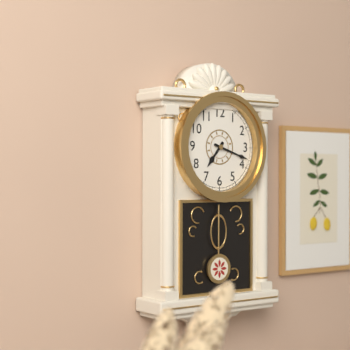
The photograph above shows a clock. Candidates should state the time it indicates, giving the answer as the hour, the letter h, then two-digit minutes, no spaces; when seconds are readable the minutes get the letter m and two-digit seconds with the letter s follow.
7h18
